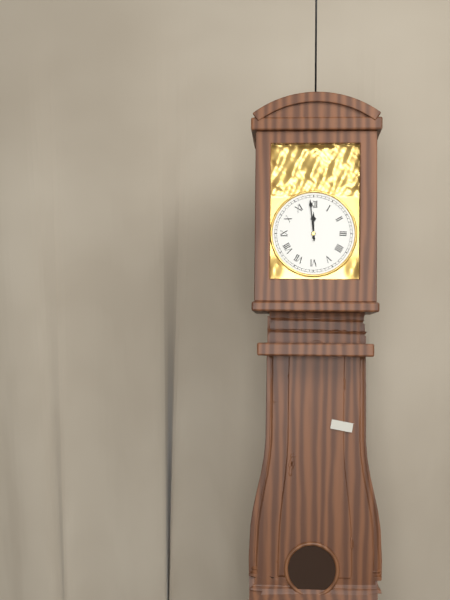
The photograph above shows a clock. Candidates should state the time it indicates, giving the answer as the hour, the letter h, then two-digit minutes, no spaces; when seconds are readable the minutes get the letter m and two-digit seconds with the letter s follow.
11h59
